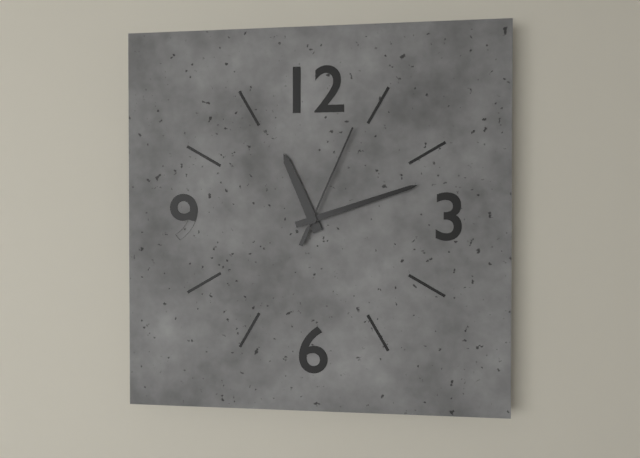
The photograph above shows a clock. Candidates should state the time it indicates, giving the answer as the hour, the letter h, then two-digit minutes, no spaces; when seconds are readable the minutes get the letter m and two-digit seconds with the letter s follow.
11h12m04s
